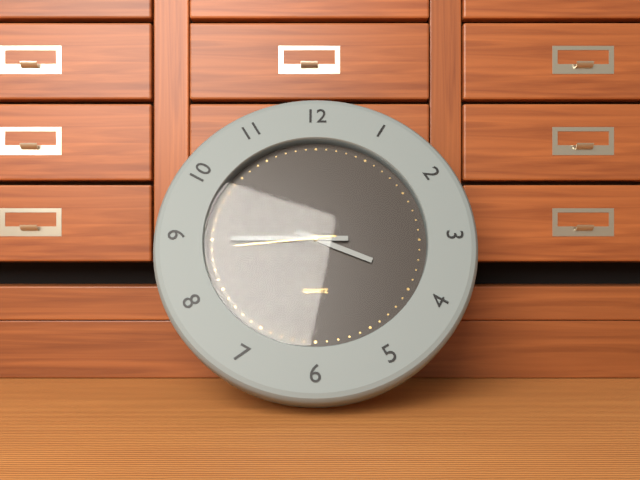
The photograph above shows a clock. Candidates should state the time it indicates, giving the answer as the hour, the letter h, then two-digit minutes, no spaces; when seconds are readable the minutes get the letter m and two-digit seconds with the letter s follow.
3h45m44s
